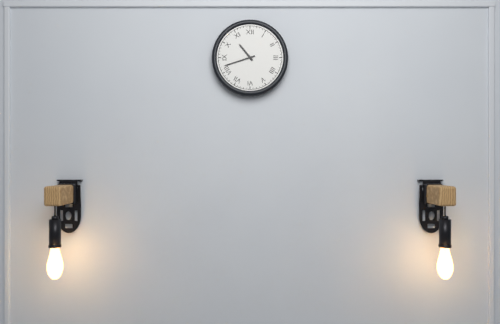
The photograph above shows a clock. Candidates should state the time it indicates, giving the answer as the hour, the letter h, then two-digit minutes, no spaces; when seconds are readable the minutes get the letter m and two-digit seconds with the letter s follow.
10h42
